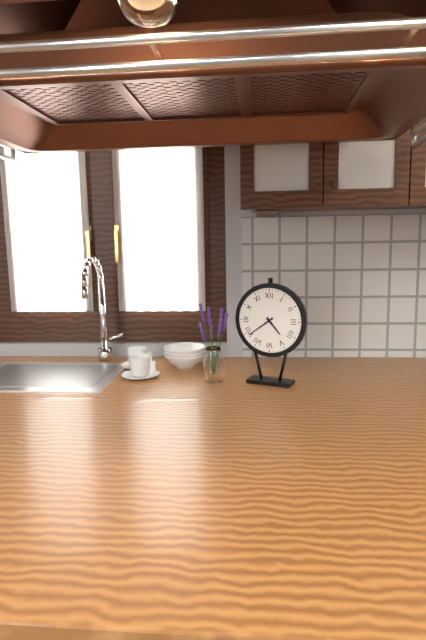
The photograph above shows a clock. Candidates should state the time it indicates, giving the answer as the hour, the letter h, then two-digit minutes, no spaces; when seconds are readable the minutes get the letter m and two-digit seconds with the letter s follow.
4h39
